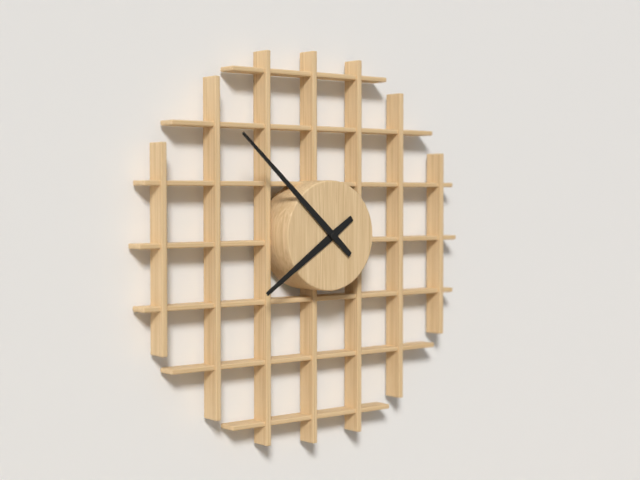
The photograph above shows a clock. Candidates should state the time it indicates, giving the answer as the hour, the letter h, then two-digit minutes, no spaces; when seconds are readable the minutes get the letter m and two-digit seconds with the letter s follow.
7h52
